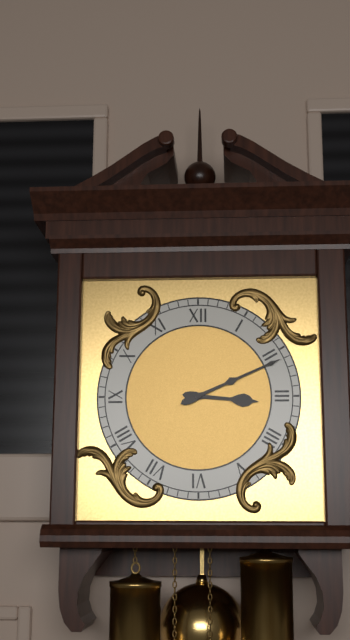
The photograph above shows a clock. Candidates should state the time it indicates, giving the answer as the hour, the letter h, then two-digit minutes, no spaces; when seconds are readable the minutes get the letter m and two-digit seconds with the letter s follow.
3h11
